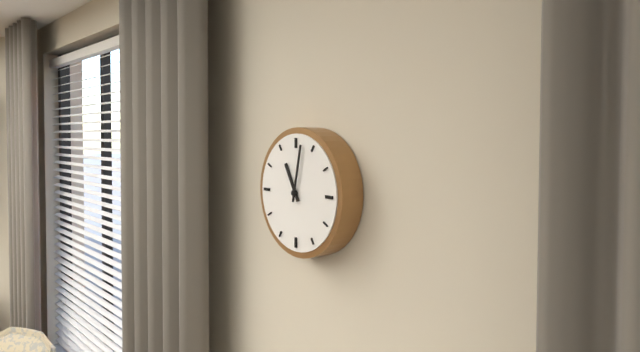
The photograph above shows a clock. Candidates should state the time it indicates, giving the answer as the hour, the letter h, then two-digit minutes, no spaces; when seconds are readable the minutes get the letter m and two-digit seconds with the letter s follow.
11h02
